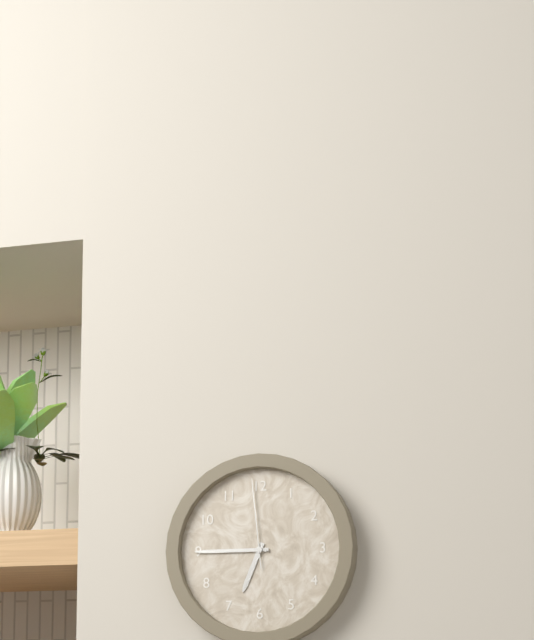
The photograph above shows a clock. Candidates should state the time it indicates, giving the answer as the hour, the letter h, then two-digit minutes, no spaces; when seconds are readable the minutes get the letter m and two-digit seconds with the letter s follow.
6h45m59s
